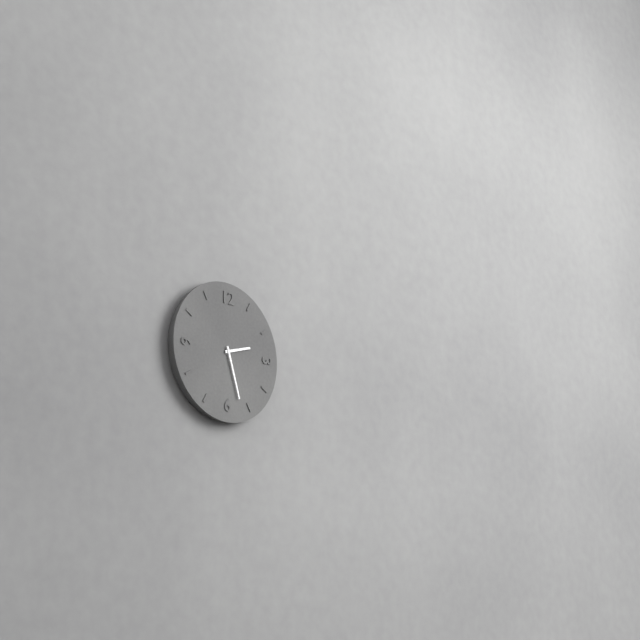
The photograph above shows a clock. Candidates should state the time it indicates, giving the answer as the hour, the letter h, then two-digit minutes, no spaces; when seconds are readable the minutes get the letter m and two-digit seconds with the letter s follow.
2h27
